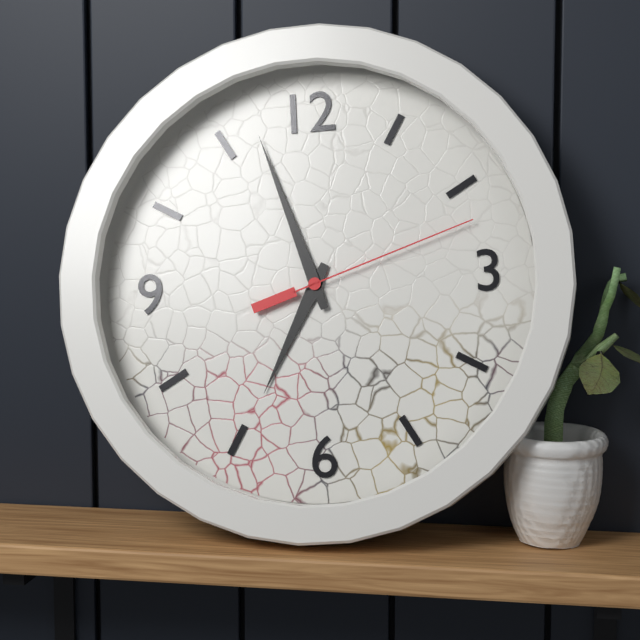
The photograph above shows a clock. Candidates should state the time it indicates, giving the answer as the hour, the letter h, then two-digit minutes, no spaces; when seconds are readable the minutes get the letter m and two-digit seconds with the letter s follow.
6h57m12s
